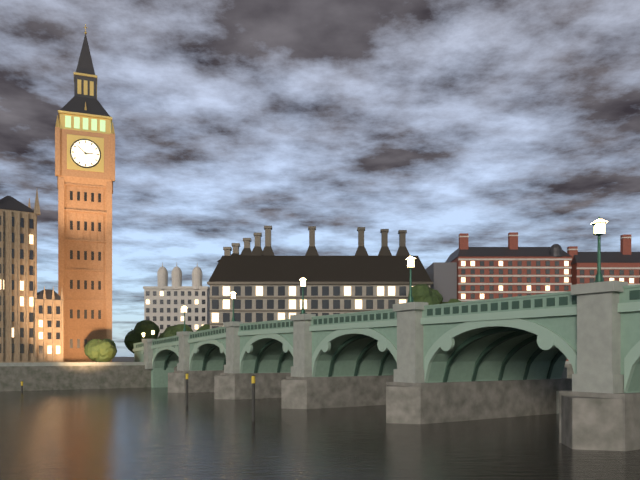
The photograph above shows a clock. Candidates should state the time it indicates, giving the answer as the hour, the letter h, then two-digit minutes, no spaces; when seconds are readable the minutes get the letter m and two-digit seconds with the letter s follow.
2h52
